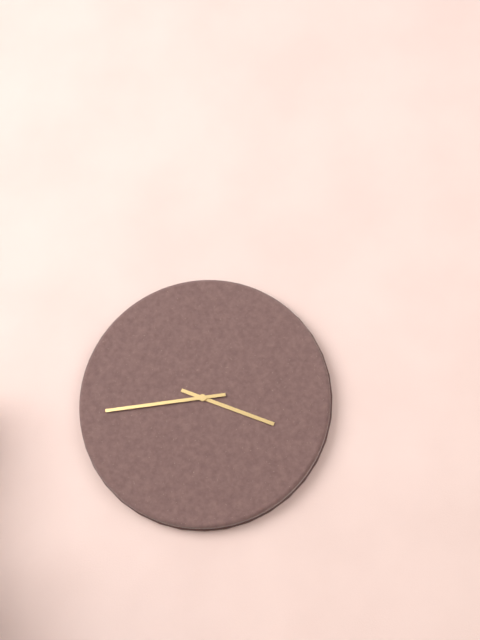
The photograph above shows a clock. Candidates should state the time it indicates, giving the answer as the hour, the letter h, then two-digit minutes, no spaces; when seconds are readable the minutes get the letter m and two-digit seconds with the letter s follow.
3h44
